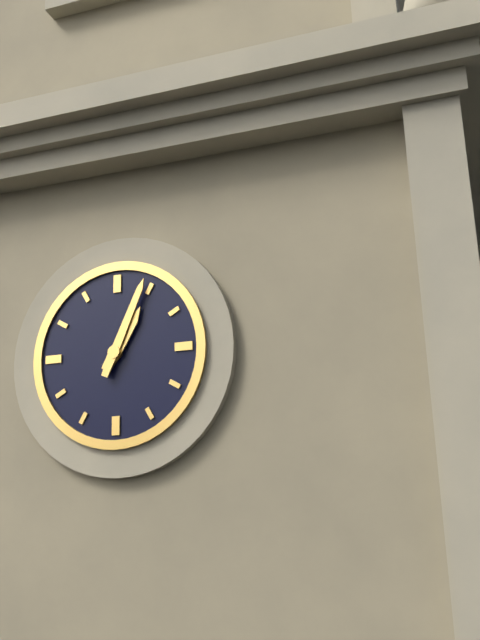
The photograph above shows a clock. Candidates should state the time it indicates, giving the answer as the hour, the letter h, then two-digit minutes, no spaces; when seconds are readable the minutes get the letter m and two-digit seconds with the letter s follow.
1h04
